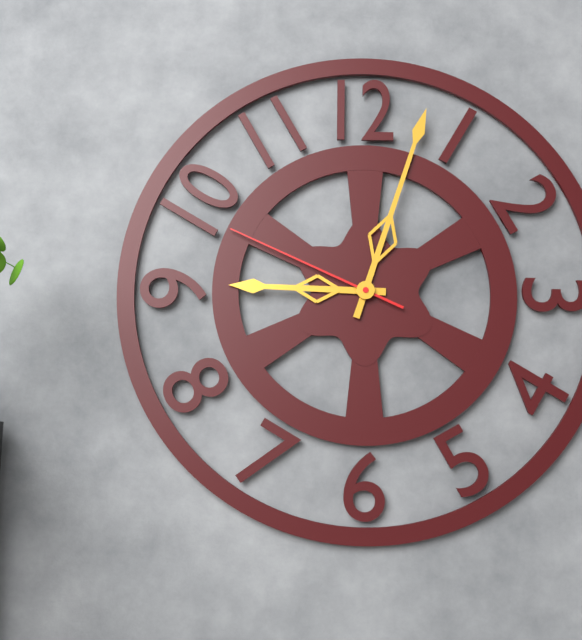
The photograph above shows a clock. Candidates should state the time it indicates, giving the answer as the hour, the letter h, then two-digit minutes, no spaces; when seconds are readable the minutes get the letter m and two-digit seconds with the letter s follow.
9h03m49s
